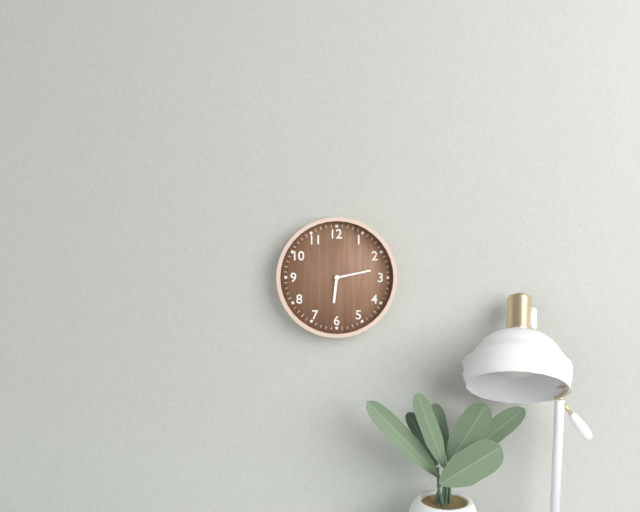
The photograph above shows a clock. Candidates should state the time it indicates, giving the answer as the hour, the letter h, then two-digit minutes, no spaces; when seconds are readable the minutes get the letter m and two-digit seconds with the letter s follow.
6h13
